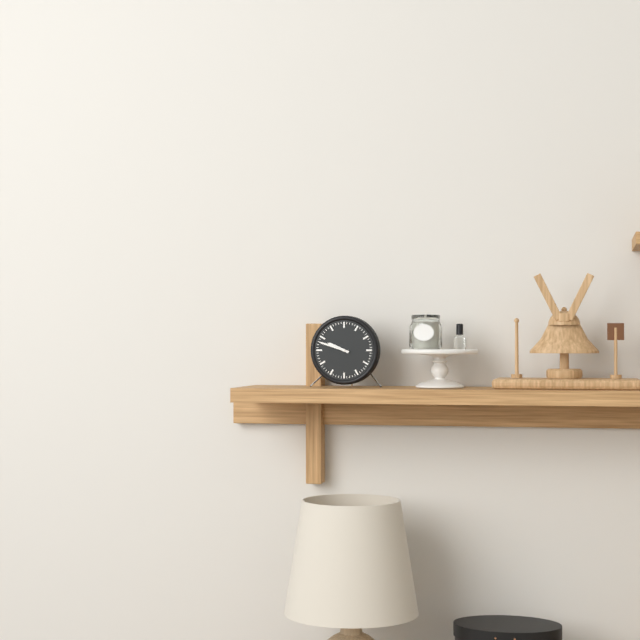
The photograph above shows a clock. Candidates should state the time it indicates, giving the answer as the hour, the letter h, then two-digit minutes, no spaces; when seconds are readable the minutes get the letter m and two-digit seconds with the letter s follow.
9h48
